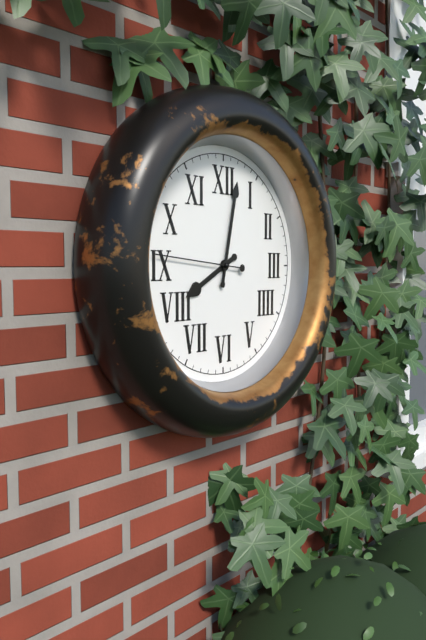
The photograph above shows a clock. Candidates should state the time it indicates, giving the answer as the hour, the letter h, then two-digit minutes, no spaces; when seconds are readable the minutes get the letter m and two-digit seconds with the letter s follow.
8h02m46s
